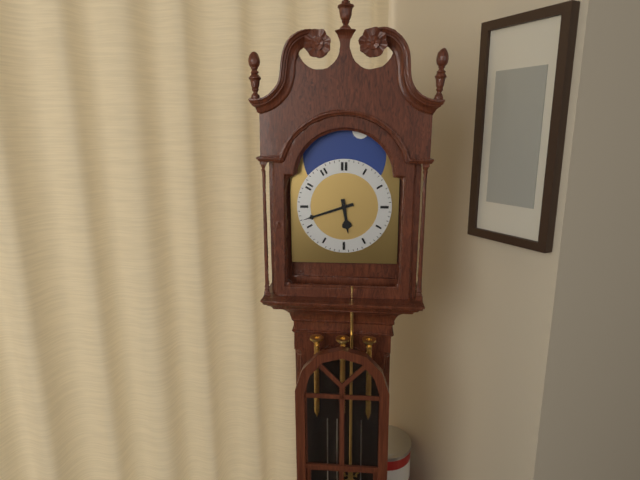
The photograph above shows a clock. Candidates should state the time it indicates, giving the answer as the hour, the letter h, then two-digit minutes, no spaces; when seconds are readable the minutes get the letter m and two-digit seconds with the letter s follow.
5h42
